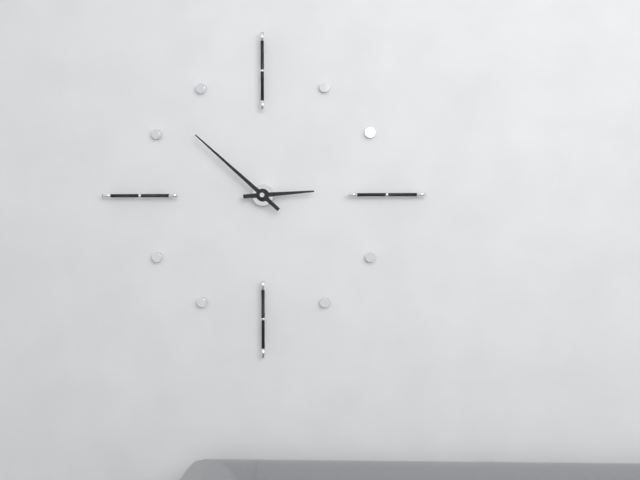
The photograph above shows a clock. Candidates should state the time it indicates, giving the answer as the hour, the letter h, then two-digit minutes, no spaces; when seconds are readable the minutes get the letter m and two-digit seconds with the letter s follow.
2h52
